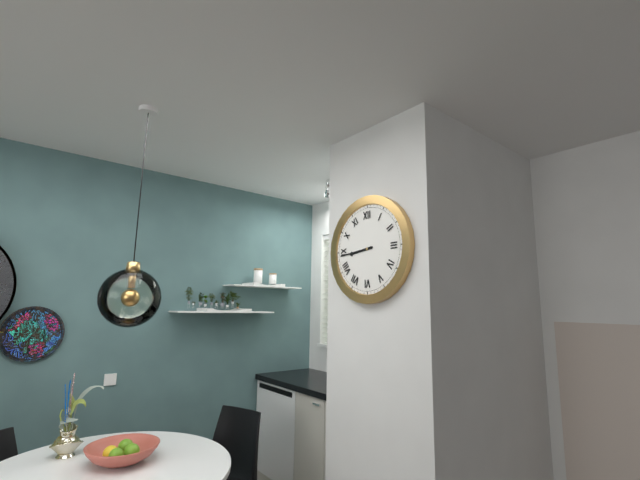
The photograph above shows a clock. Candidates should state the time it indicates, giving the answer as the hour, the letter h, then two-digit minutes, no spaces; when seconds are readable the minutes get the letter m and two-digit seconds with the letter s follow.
8h44
